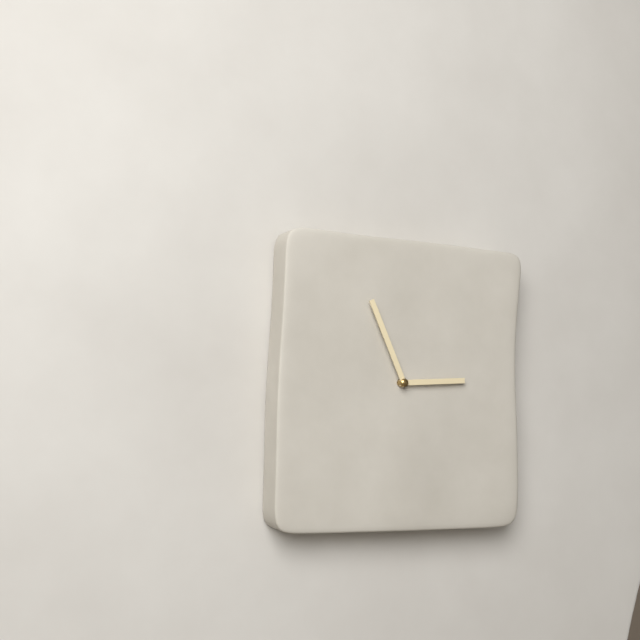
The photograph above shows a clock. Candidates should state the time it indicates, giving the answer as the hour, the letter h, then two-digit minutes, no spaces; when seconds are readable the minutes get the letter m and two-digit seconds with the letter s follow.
2h56
